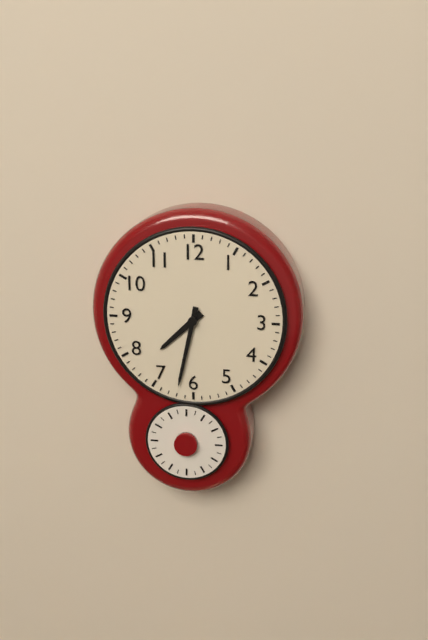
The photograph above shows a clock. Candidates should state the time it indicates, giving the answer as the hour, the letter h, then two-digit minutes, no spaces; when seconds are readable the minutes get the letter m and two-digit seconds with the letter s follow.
7h32
